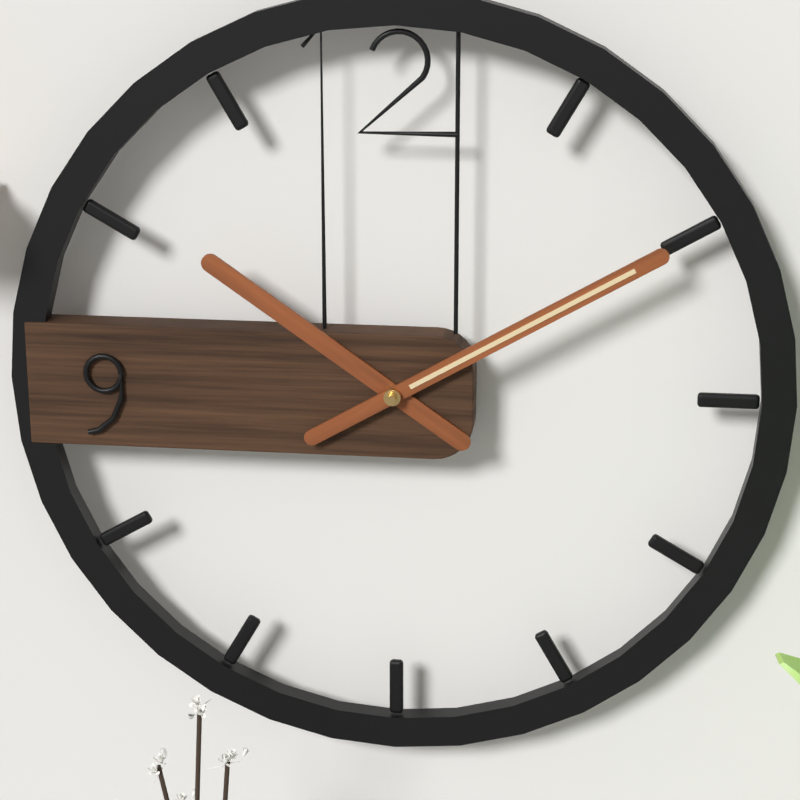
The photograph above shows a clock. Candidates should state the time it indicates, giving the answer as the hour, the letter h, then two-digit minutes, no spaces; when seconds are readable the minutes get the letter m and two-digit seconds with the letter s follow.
10h10
